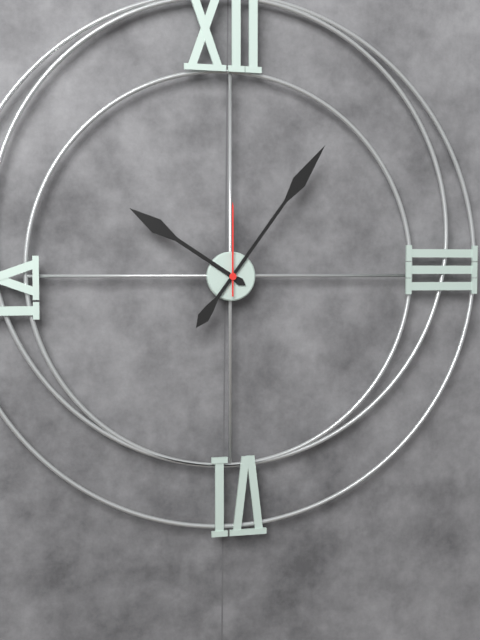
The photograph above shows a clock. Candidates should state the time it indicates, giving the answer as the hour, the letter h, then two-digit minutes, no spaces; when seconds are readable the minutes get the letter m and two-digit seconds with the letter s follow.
10h06m00s
